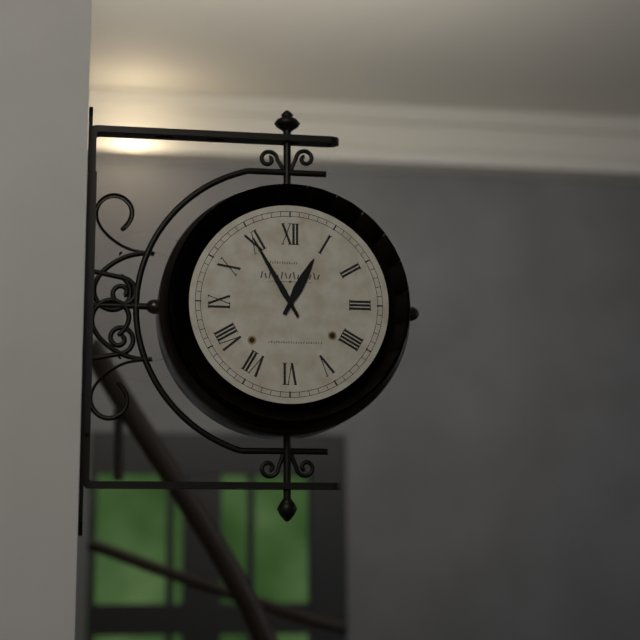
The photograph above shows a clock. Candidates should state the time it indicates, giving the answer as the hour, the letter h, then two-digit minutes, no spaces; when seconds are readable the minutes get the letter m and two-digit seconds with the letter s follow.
12h55
